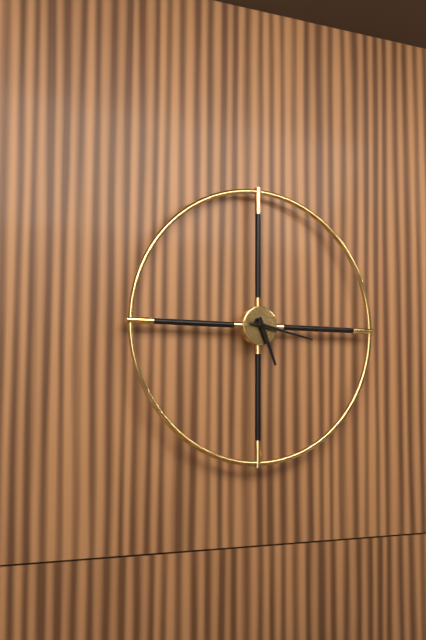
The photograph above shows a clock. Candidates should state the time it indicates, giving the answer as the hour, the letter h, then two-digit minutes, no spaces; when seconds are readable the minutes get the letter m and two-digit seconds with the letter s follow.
5h17
